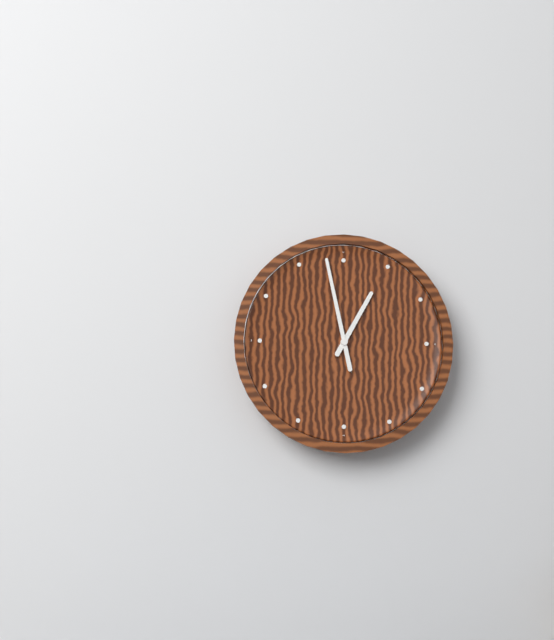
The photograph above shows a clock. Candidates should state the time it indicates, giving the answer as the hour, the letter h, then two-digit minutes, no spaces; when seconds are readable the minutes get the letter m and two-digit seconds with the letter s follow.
12h58
